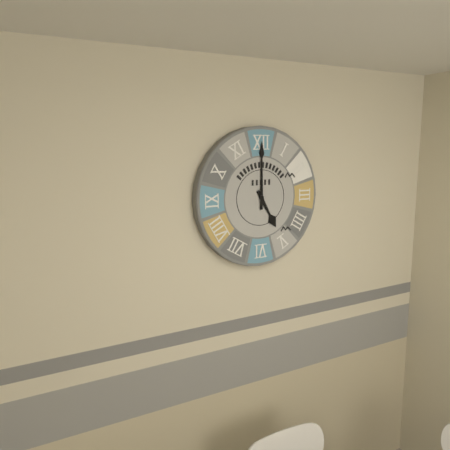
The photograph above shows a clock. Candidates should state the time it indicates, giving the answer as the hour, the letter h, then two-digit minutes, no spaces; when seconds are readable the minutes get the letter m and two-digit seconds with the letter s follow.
5h00
